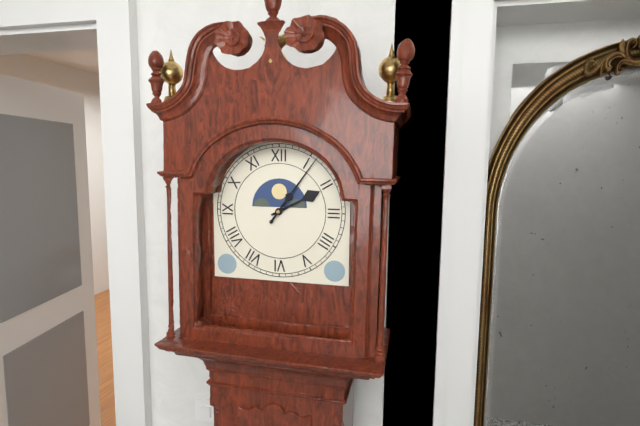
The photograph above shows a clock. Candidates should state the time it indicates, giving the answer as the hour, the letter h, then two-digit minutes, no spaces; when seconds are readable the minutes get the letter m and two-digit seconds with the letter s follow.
2h06
